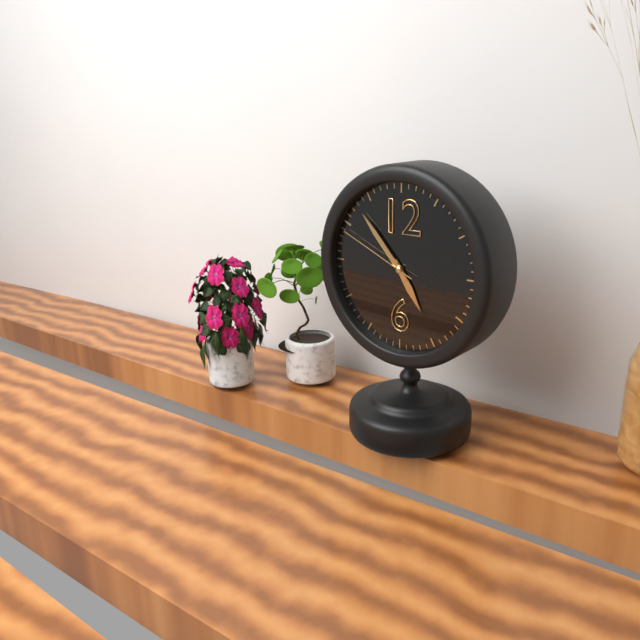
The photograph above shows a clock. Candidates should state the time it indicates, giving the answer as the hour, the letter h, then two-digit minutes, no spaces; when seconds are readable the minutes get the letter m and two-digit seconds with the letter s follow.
4h53m49s
